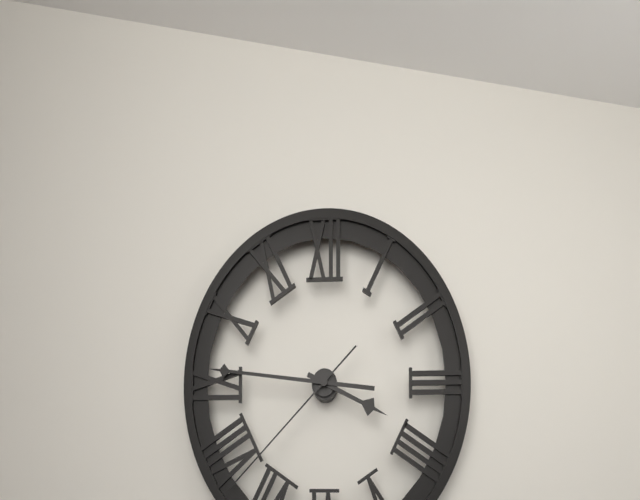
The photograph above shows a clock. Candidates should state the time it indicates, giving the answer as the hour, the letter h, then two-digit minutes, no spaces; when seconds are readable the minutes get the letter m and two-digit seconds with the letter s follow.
3h46m38s
